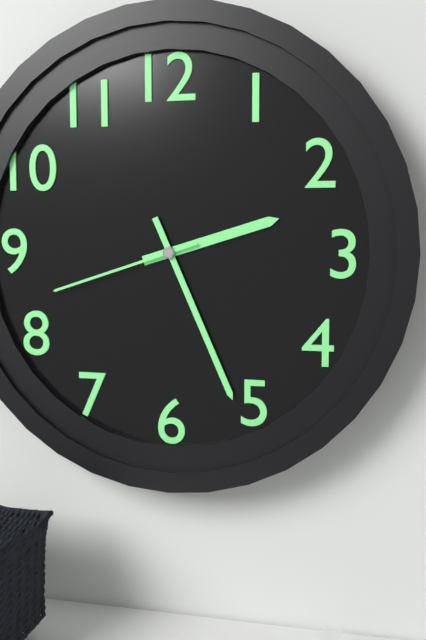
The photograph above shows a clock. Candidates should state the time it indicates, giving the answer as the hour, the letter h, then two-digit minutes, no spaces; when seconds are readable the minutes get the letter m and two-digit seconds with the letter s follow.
2h26m42s
